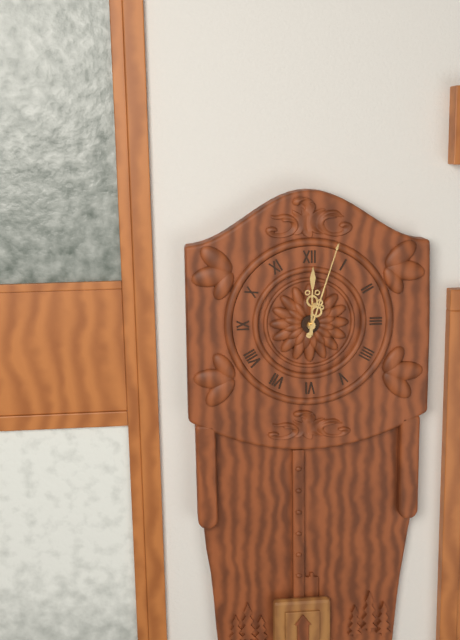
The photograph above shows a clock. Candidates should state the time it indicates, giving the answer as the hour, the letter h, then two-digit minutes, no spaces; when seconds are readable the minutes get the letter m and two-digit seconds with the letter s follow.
12h03
